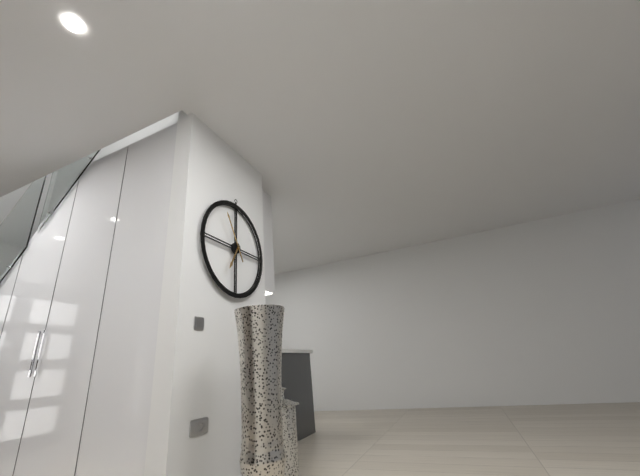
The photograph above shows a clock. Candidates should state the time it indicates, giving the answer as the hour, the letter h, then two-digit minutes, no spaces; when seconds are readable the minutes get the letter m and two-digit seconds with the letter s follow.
6h55
